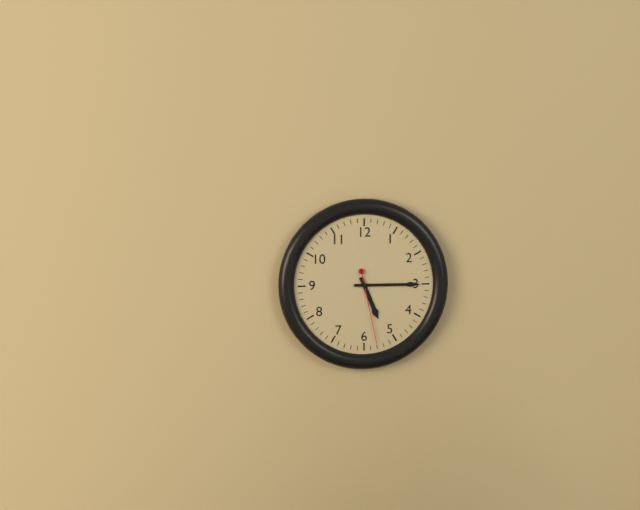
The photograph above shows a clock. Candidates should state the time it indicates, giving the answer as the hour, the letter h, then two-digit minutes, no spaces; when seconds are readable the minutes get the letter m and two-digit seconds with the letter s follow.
5h15m28s
